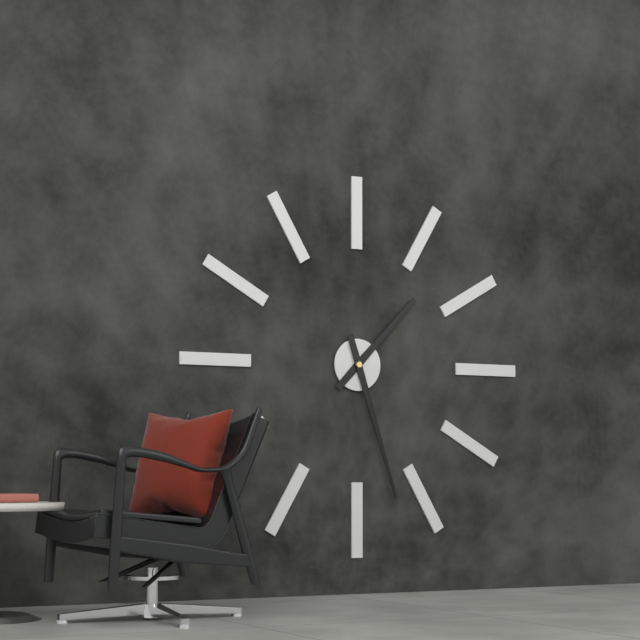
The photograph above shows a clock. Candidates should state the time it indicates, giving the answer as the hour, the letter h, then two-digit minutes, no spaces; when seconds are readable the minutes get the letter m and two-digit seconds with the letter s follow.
1h27
